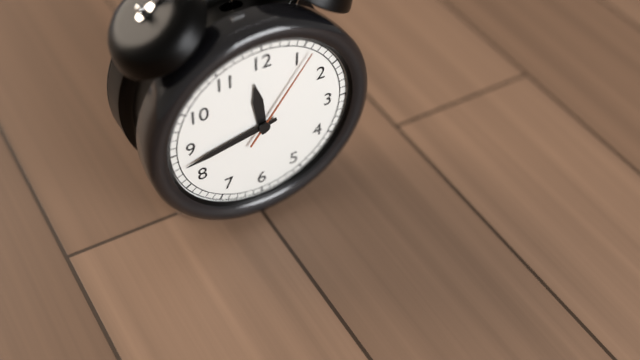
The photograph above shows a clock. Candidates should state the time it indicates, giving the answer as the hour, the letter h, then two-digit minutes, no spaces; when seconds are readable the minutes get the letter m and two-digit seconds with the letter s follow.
11h43m06s
